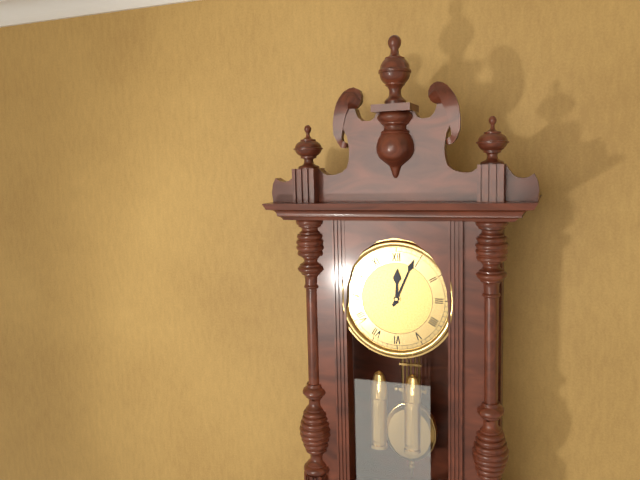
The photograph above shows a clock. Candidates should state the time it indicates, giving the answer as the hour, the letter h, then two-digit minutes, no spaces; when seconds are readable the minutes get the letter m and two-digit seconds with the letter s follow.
12h04
